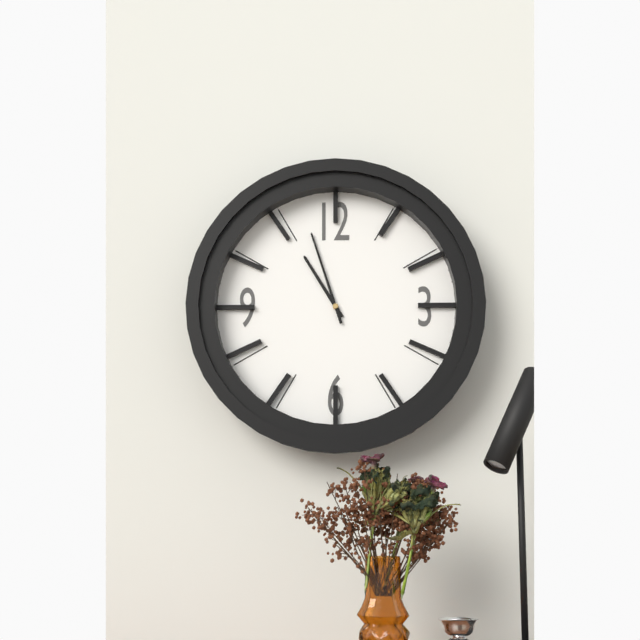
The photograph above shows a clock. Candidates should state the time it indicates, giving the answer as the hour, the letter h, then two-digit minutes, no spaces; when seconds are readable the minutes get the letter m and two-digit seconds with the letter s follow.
10h57
